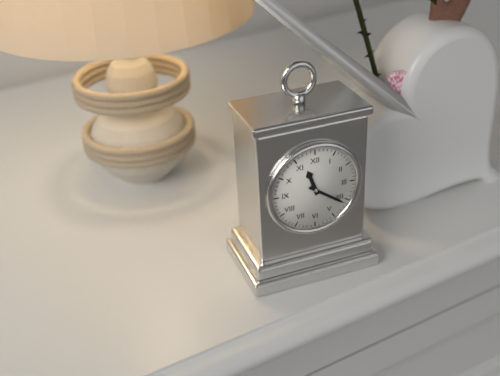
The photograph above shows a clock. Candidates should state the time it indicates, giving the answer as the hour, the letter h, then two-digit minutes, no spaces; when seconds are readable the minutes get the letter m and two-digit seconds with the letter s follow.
11h21
